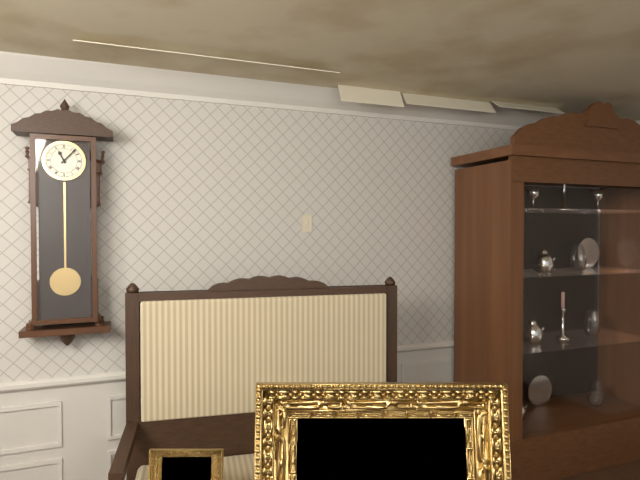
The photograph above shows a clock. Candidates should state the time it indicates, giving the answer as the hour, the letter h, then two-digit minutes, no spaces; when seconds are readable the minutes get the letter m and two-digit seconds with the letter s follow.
11h07
